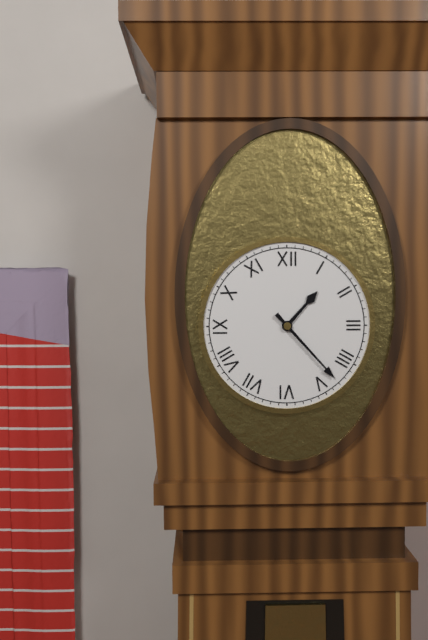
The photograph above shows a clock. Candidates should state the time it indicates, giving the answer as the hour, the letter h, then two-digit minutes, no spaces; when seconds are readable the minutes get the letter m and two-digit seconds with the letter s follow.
1h23
